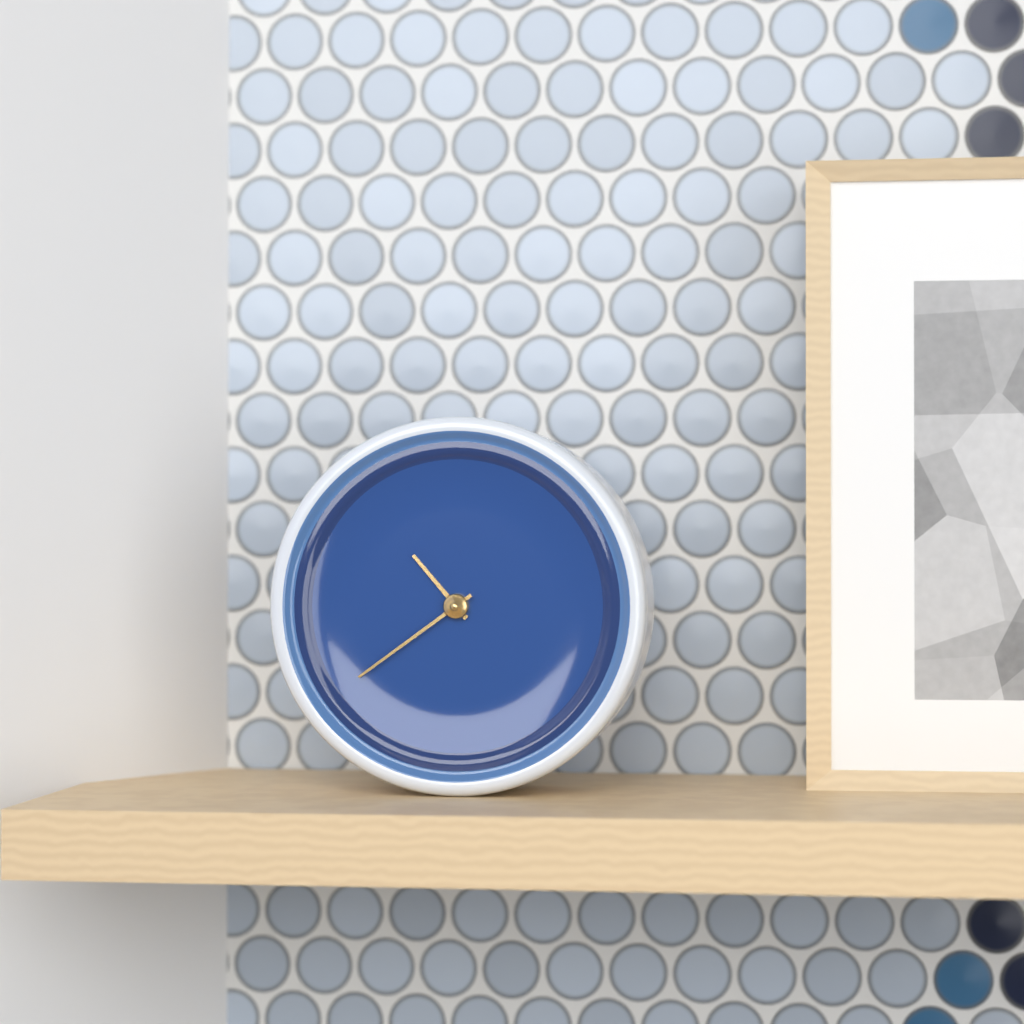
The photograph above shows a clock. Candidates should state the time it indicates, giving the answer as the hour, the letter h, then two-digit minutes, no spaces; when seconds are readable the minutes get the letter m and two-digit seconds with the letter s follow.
10h39
